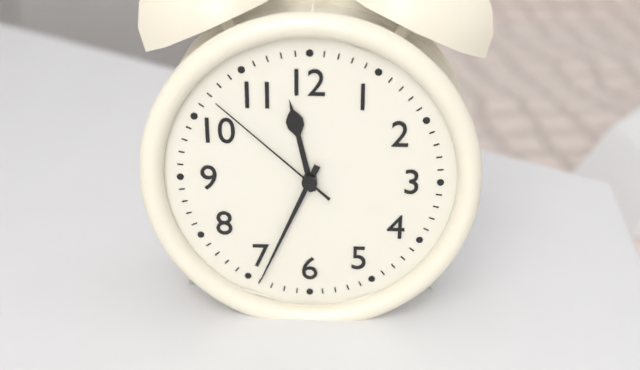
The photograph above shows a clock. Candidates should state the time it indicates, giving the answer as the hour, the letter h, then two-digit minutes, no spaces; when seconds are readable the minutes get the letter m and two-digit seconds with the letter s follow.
11h34m52s
